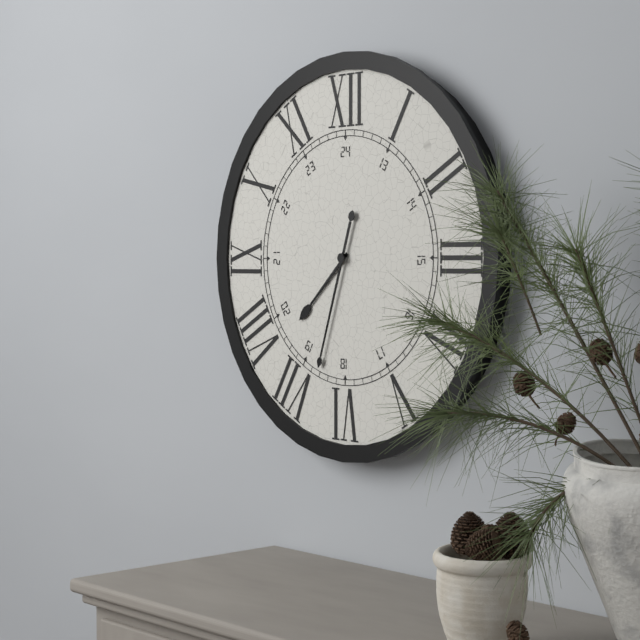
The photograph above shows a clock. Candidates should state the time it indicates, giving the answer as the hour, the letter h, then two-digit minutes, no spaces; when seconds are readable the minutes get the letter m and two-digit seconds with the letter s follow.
7h33
